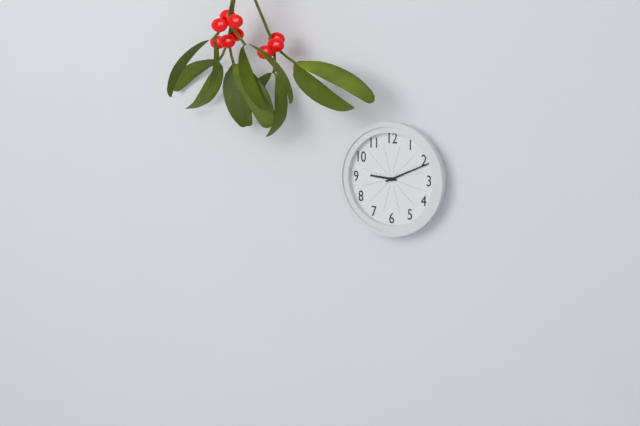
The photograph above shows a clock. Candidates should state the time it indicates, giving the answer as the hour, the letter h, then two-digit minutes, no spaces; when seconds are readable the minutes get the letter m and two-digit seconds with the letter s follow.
9h11
